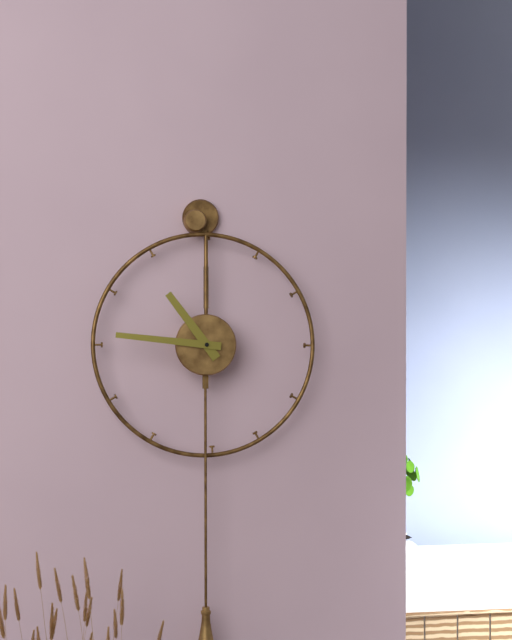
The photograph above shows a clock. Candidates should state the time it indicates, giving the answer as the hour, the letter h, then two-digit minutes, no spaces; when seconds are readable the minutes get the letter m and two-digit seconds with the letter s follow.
10h46
